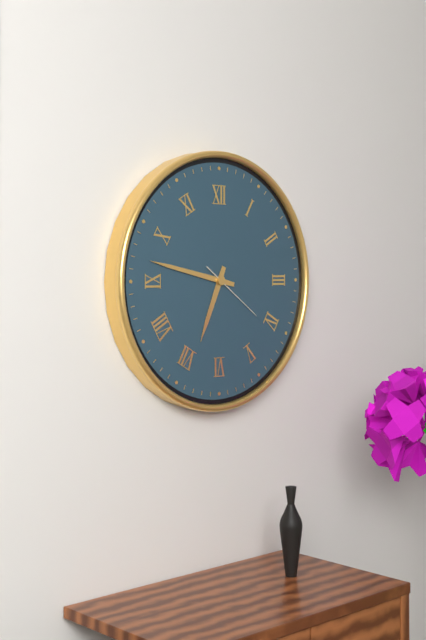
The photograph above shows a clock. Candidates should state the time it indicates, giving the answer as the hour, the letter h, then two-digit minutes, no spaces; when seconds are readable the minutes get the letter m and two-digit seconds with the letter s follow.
6h47m21s
